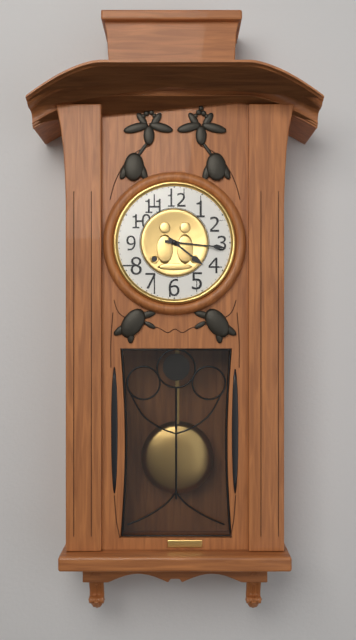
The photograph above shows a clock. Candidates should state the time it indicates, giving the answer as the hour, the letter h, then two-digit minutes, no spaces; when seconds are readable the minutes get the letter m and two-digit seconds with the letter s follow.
4h16
